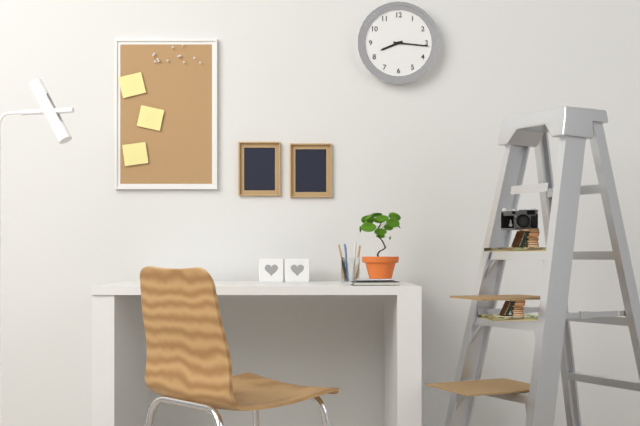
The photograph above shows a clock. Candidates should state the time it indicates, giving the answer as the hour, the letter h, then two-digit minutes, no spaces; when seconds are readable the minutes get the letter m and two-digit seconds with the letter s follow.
8h16
